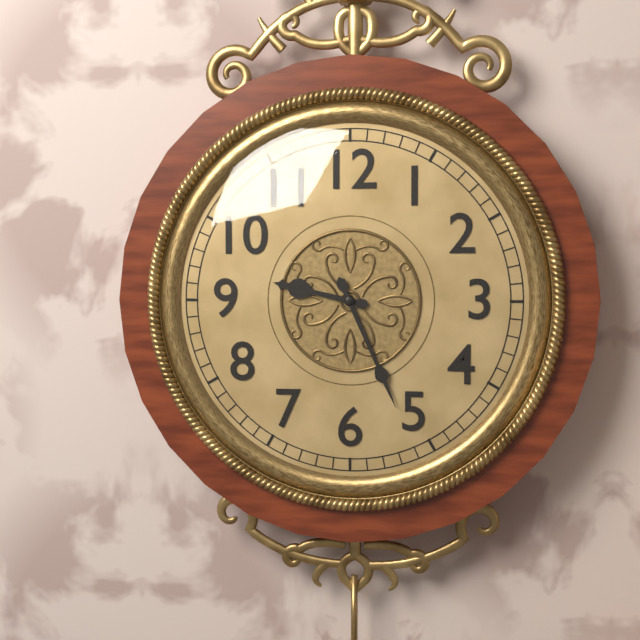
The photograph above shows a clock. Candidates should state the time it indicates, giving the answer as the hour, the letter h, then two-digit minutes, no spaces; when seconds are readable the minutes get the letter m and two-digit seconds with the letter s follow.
9h26
